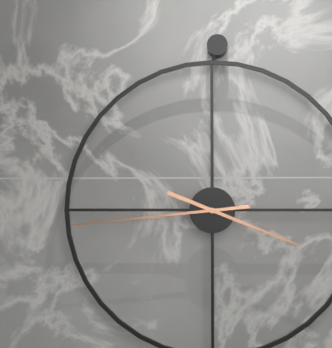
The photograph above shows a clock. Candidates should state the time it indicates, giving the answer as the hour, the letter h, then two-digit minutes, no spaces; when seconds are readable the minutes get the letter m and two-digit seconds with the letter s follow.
3h44
